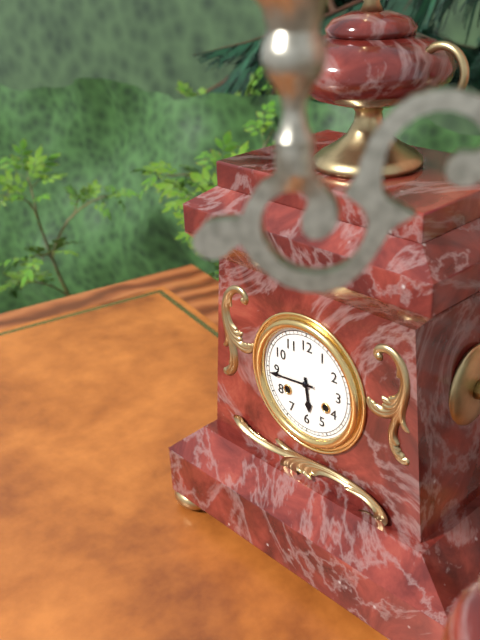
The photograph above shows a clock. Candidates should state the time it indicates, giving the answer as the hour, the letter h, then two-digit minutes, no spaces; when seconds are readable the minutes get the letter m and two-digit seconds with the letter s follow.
5h44
